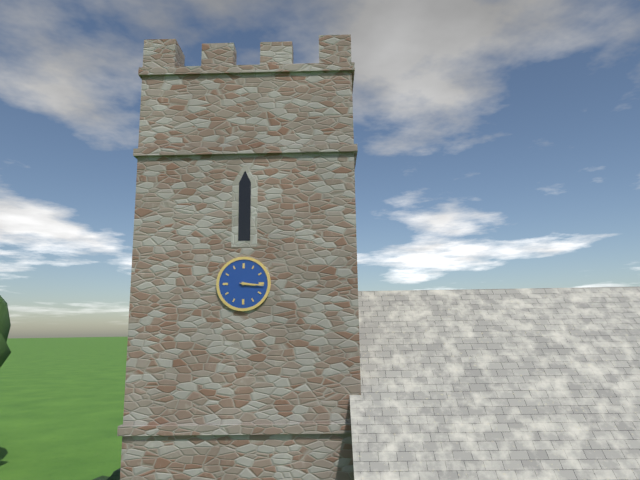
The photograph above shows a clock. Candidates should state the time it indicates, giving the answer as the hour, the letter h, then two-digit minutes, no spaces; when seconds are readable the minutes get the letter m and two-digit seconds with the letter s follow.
3h16
